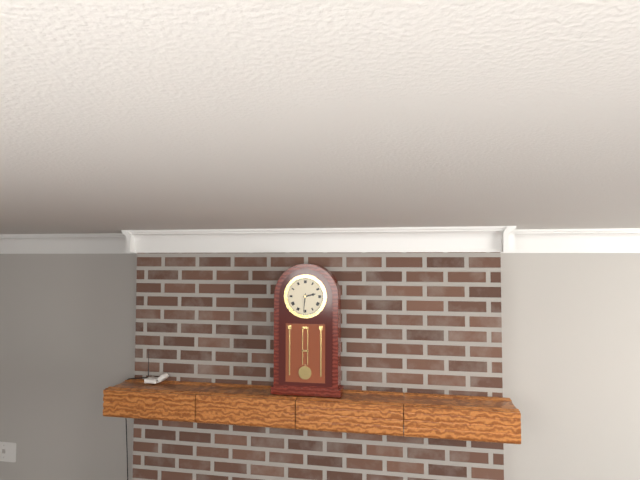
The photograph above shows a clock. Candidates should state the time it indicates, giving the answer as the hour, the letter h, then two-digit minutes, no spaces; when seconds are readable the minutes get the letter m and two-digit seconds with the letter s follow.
2h31
